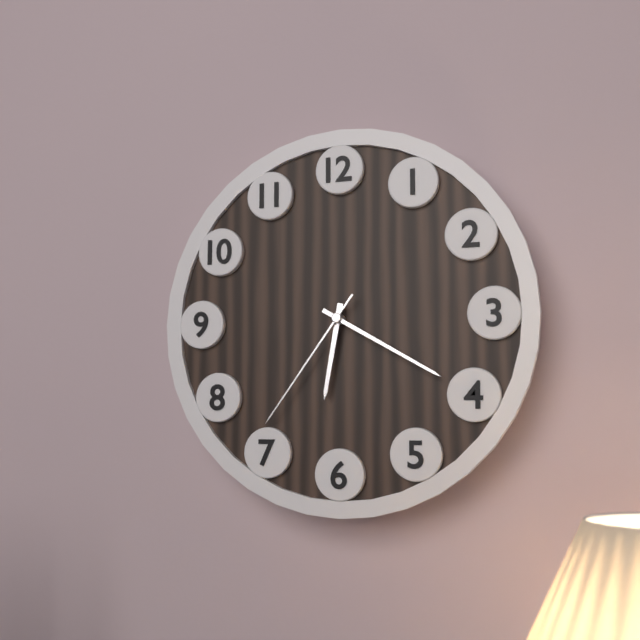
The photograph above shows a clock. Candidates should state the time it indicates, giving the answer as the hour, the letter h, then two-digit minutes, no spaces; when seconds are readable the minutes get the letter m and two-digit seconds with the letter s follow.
6h20m36s
